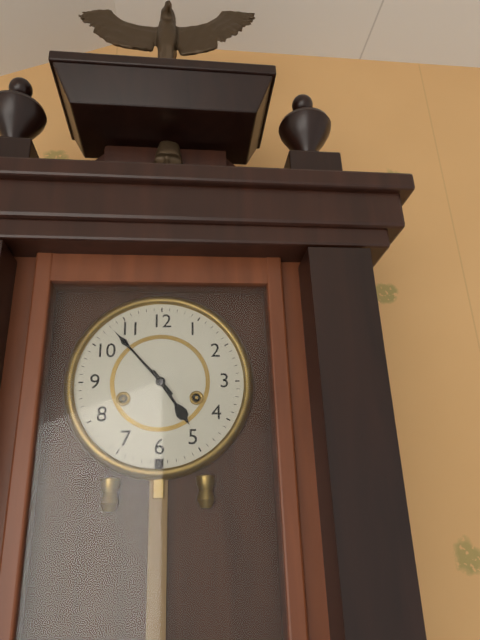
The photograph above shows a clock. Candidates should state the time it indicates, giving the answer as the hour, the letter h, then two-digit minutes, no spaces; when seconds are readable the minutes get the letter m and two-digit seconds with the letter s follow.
4h53
